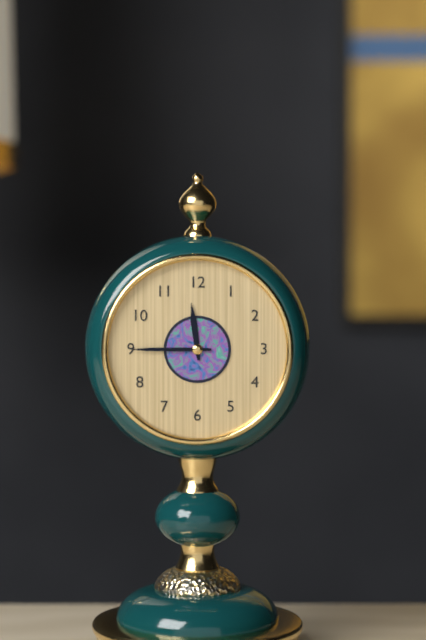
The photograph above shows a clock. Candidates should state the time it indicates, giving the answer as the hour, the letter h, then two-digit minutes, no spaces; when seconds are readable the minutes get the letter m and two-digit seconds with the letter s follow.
11h45
